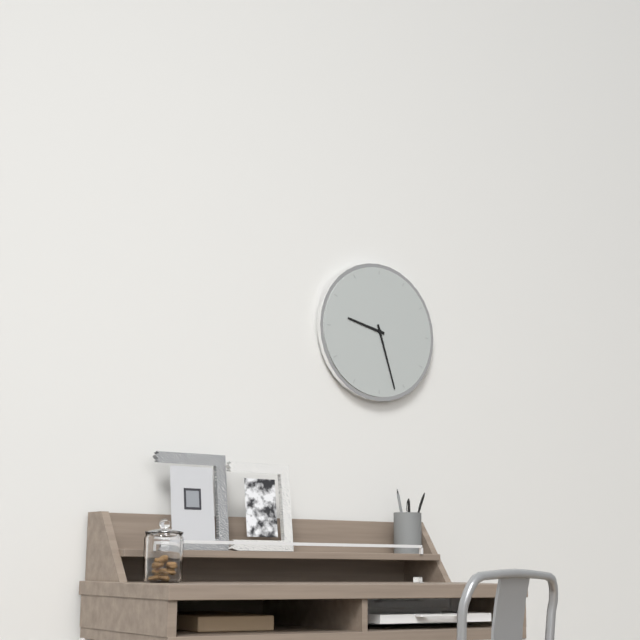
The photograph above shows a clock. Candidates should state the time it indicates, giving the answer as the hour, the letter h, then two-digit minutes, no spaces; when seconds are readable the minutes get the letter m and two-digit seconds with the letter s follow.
9h27
